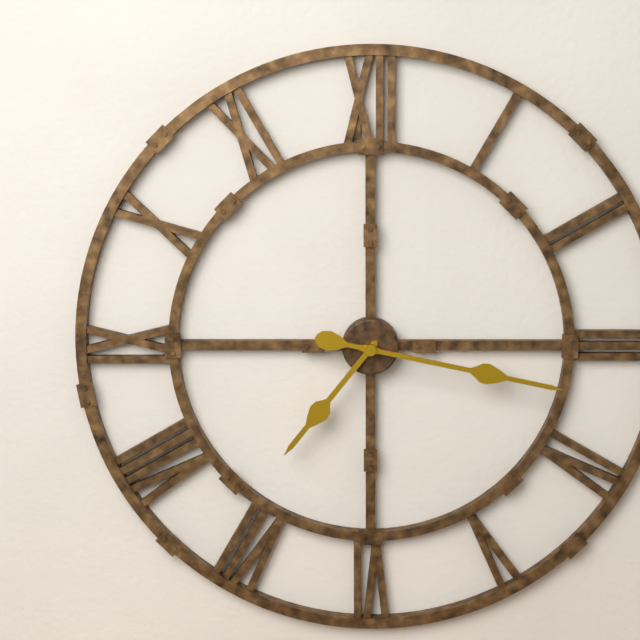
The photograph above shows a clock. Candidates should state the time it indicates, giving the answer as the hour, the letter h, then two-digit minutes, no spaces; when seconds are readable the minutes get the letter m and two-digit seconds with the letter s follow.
7h17
